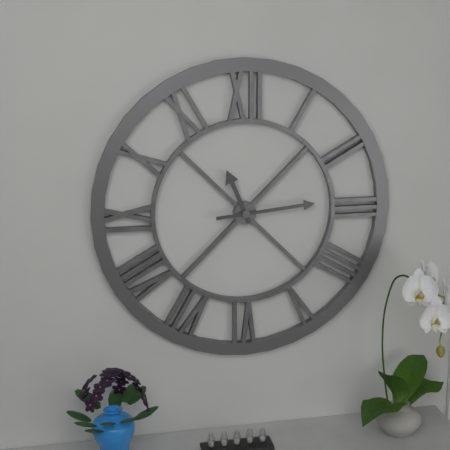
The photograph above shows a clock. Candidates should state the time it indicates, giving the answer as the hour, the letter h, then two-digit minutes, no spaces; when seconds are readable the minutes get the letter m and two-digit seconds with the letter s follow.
11h14
